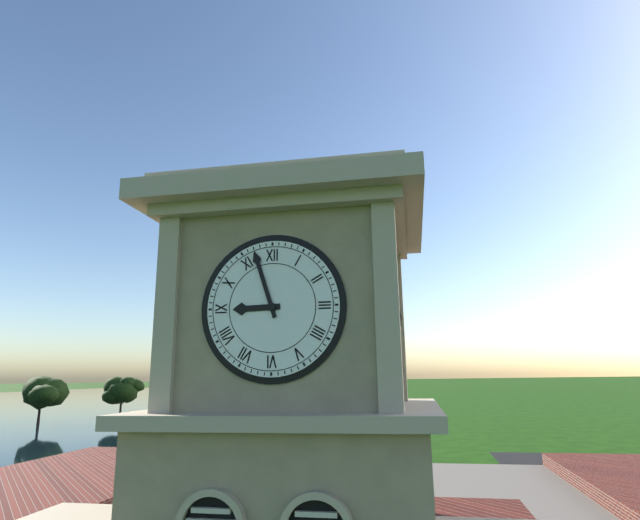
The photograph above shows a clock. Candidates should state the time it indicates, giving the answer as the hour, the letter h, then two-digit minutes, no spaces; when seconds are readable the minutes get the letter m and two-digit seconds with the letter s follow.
8h57
